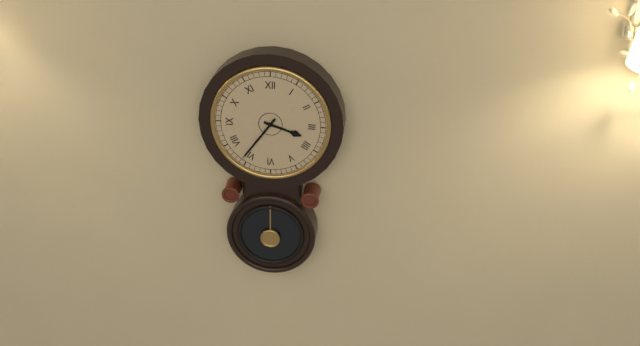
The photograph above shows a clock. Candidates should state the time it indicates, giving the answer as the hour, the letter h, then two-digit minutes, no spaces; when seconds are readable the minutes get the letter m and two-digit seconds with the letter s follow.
3h36
